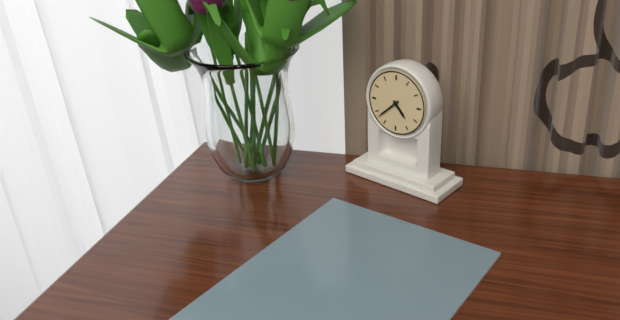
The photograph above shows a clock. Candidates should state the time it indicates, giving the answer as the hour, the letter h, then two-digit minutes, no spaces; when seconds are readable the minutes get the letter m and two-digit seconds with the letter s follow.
4h38
